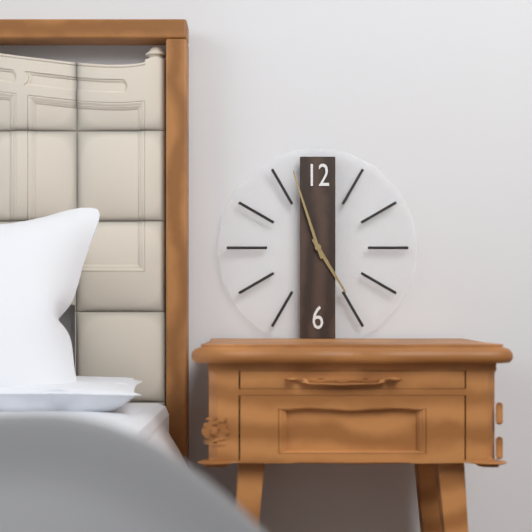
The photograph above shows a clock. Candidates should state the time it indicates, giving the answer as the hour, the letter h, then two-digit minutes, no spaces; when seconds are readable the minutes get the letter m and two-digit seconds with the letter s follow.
4h57
